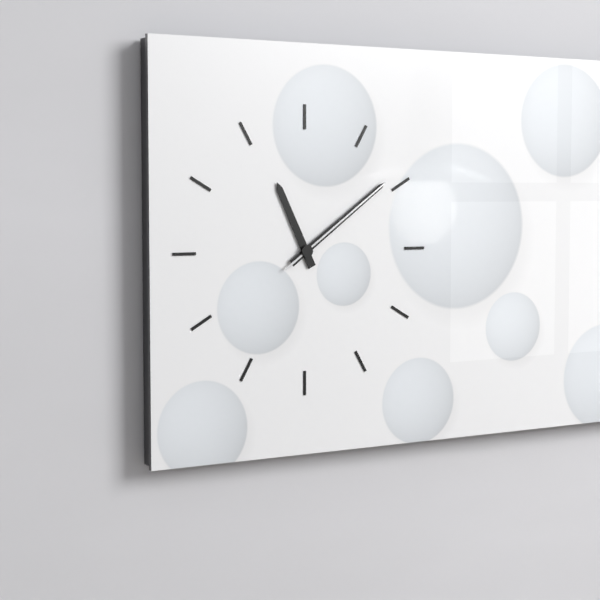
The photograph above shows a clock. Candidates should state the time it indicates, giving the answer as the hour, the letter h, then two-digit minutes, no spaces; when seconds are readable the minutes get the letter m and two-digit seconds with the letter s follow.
11h09m09s
